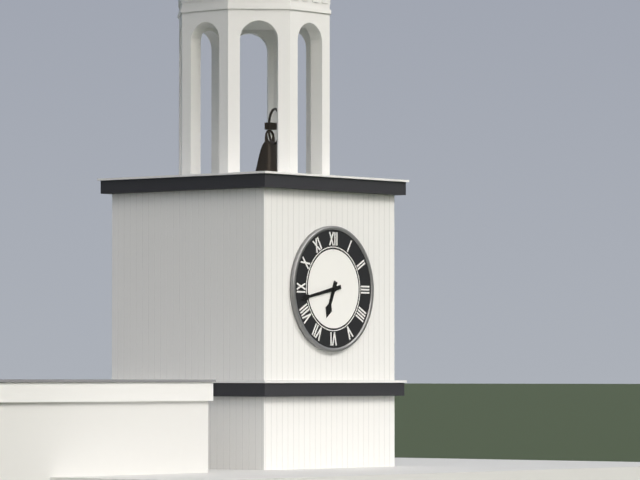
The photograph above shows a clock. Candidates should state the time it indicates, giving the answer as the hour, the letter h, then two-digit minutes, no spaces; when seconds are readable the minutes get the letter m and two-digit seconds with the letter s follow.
6h43
